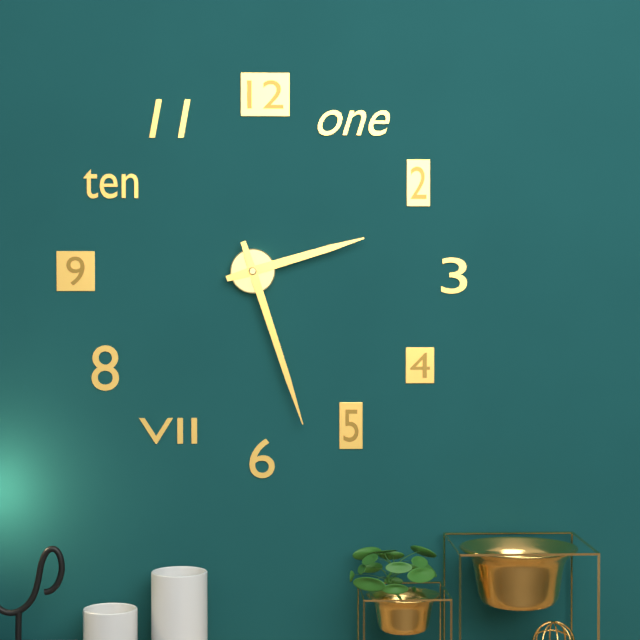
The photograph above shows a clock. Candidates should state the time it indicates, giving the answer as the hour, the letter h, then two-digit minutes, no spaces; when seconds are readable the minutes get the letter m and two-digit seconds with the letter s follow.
2h27
